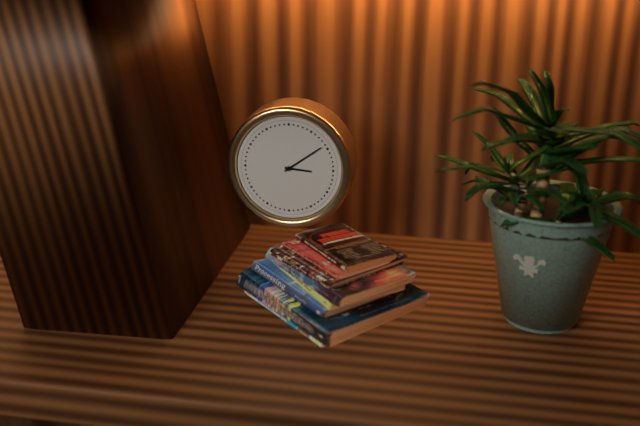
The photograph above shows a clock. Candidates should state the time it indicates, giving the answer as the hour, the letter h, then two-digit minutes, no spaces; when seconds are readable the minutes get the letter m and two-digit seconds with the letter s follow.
3h09
